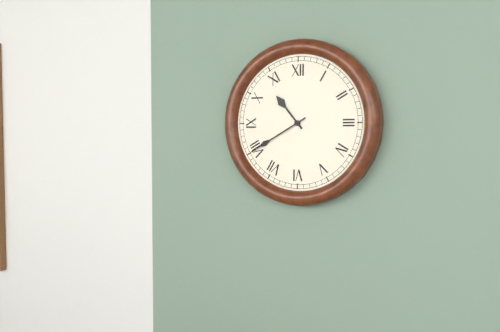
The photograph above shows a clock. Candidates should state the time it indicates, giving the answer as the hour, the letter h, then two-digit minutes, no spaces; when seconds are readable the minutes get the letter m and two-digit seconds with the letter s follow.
10h40
